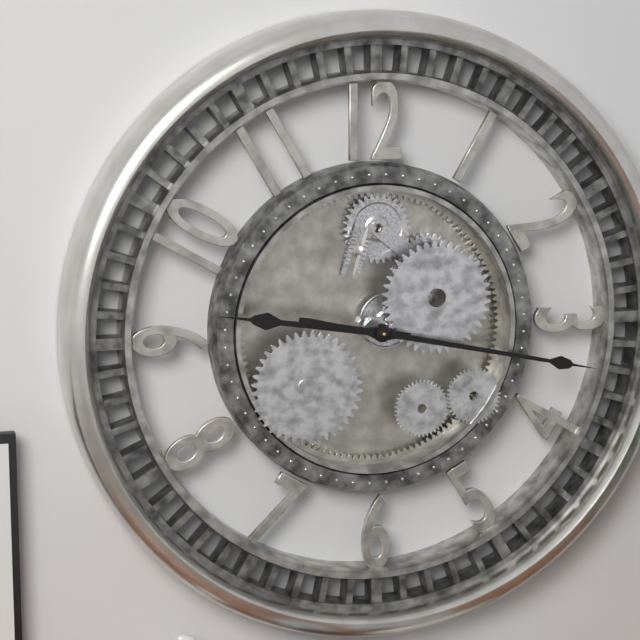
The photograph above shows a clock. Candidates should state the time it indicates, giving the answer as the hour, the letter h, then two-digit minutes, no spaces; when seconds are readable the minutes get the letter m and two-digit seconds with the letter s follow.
9h17
